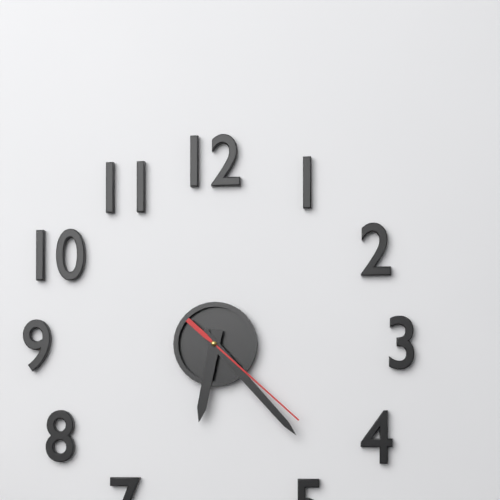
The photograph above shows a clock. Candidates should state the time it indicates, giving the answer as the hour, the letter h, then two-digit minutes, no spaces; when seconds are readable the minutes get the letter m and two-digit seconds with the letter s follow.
6h23m22s
